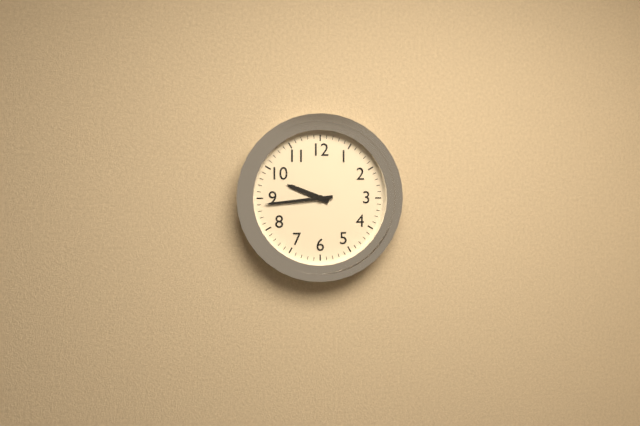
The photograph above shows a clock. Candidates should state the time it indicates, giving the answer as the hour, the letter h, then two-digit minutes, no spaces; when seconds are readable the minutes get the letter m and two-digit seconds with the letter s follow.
9h44
